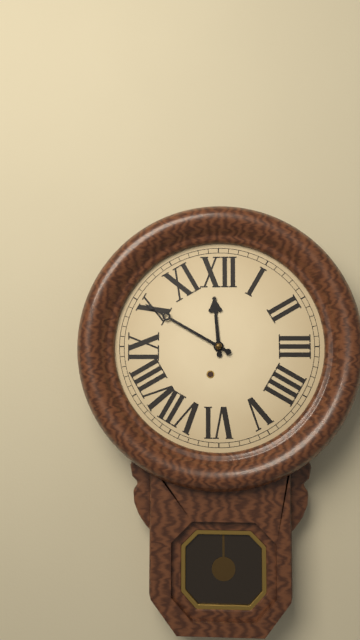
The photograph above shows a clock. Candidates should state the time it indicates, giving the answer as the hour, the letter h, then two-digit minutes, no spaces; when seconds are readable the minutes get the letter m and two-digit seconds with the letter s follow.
11h50
